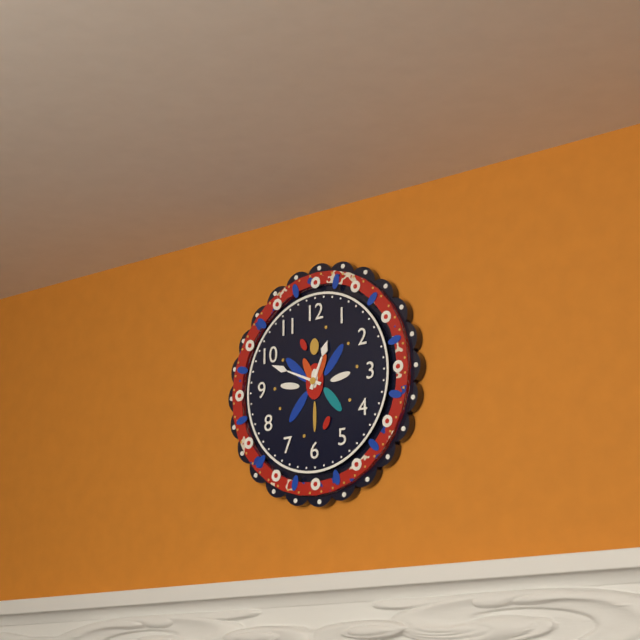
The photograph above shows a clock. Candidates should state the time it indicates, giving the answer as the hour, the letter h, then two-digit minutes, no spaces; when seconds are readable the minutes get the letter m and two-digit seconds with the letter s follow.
12h49
